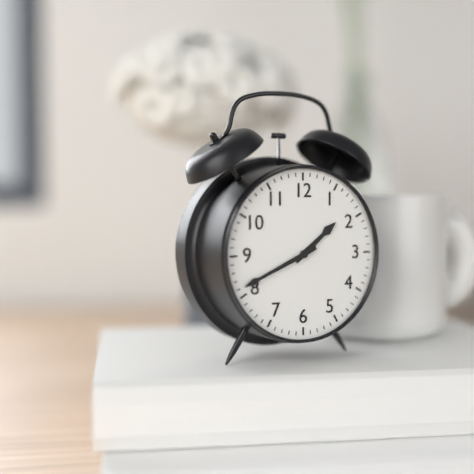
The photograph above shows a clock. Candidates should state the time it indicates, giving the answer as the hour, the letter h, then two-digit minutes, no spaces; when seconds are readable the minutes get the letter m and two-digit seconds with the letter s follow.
1h41
